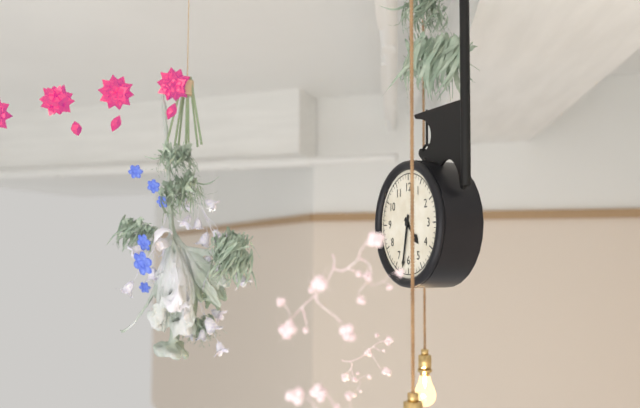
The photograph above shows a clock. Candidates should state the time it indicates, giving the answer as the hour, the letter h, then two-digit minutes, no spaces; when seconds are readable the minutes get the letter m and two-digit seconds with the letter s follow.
4h32
